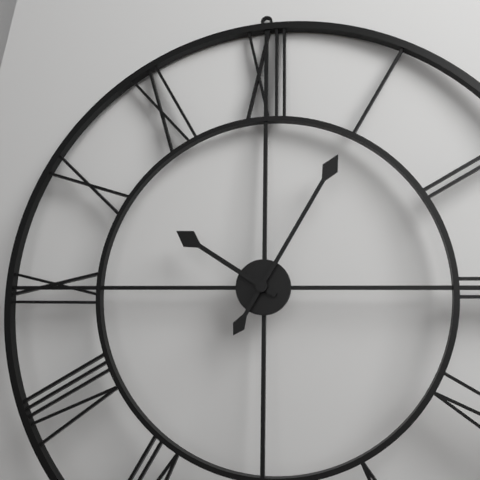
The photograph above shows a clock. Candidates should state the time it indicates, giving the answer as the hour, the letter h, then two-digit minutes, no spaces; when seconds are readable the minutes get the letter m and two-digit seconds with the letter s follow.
10h05
